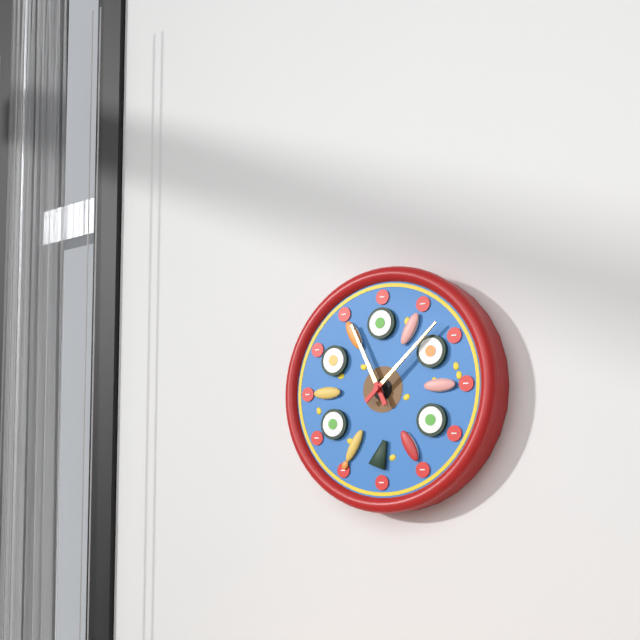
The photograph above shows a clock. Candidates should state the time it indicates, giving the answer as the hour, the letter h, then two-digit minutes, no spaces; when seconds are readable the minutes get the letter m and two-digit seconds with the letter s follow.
11h08
